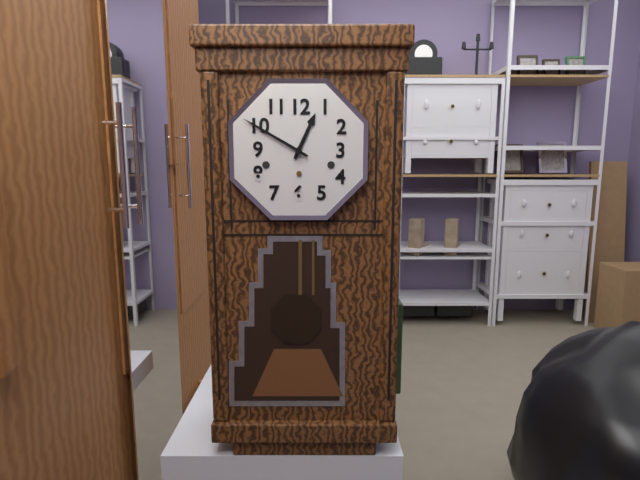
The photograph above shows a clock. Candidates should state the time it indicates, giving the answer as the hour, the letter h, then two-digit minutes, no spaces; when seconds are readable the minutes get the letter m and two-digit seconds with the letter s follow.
12h50
